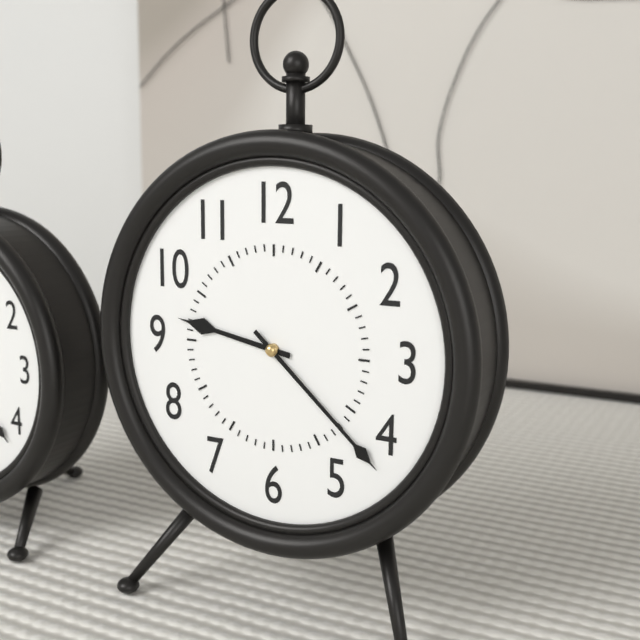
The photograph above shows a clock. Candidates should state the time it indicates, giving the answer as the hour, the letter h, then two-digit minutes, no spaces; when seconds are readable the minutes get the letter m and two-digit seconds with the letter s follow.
9h22
